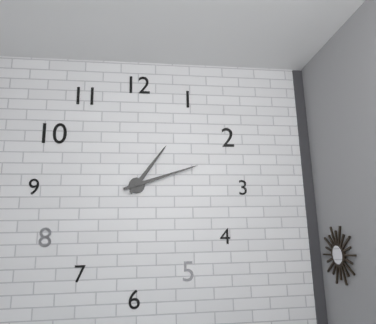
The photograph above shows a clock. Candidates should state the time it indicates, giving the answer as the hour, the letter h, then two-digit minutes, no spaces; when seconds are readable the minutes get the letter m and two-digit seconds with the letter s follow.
1h12
